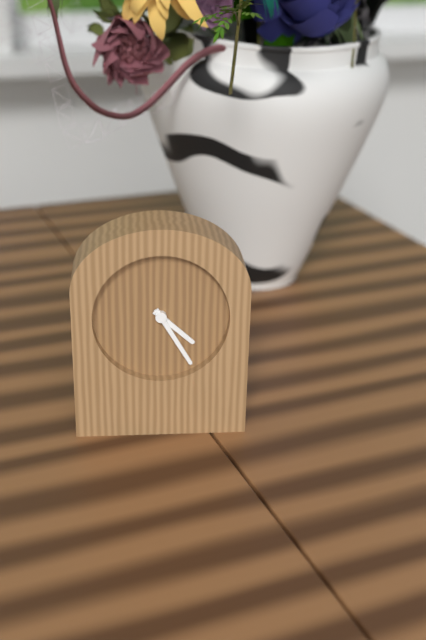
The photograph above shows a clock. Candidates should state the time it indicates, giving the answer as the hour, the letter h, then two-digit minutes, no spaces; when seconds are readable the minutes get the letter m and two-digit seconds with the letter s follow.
4h25
